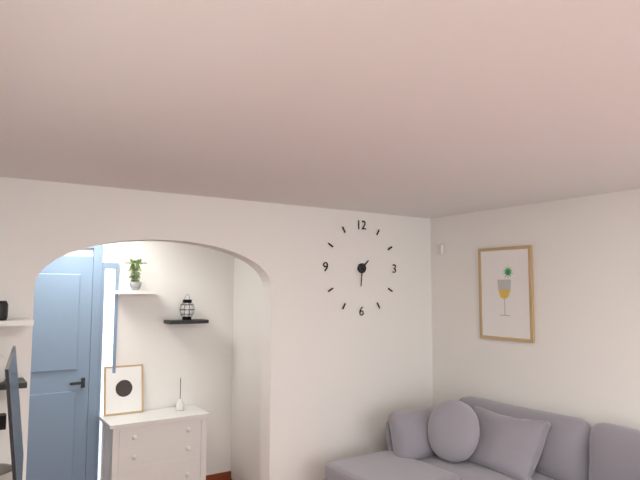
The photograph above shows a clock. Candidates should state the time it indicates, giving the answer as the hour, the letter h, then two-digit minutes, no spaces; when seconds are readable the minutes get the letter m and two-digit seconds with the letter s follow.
1h31
